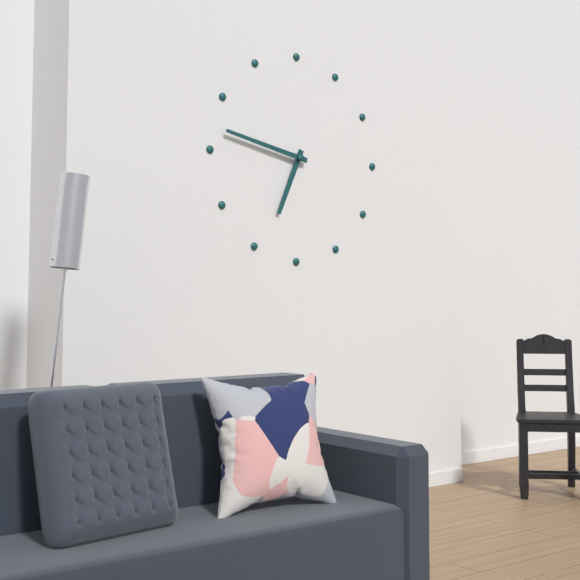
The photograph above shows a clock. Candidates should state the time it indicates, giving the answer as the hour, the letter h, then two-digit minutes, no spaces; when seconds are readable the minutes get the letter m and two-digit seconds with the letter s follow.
6h47
